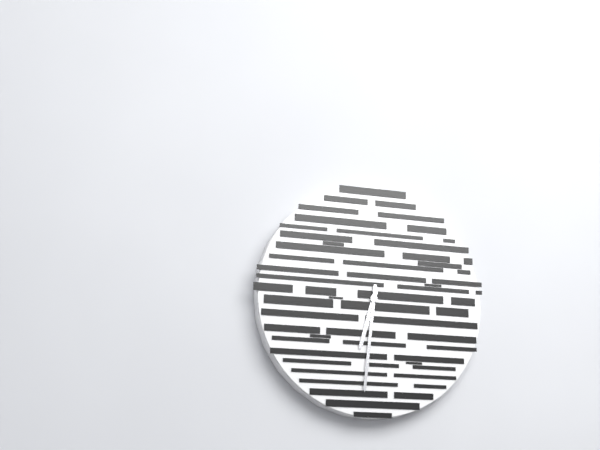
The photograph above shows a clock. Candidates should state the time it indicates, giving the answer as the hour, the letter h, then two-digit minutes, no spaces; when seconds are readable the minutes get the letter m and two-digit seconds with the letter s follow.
6h31
